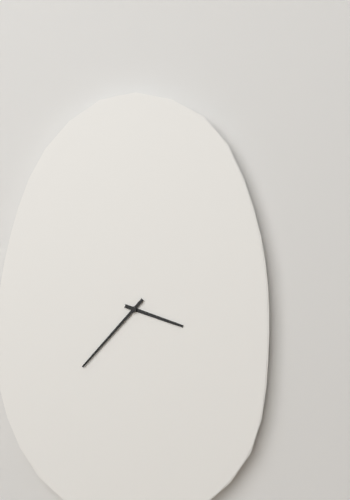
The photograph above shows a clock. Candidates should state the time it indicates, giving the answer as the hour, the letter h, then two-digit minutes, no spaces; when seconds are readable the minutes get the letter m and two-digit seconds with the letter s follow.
3h37
